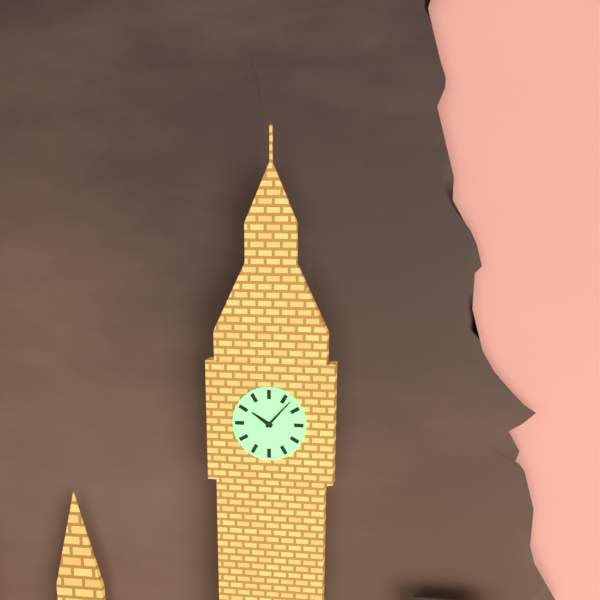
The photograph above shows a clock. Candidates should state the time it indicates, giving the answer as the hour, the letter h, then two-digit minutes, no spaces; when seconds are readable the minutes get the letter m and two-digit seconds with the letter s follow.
10h07
